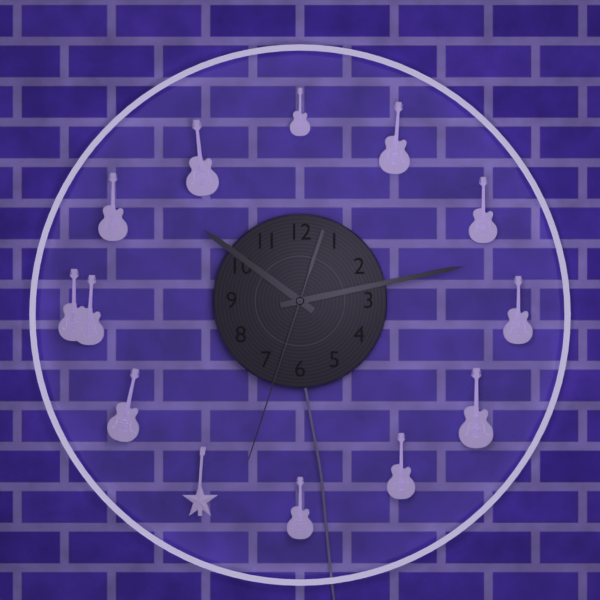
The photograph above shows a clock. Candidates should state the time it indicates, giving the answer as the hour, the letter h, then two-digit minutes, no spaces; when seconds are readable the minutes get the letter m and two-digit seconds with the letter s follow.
10h13m33s
